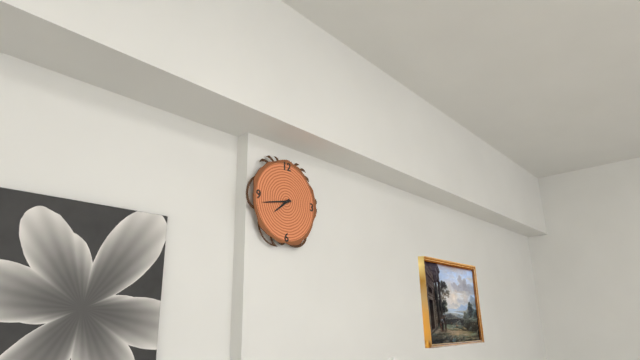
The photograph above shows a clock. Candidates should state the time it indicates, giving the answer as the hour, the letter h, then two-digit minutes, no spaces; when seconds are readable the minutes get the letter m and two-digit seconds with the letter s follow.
7h43
